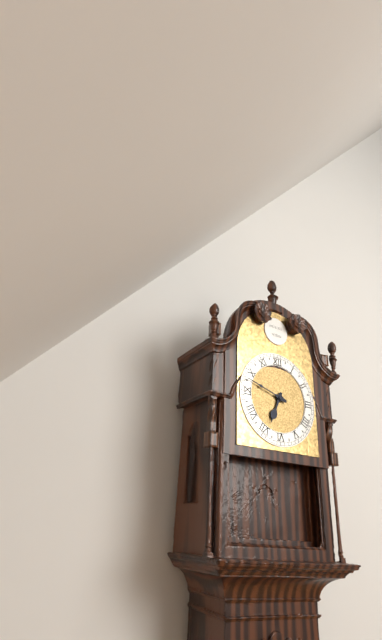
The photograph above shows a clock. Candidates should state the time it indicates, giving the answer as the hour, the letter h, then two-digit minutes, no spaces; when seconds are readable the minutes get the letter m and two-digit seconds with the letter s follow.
6h48
